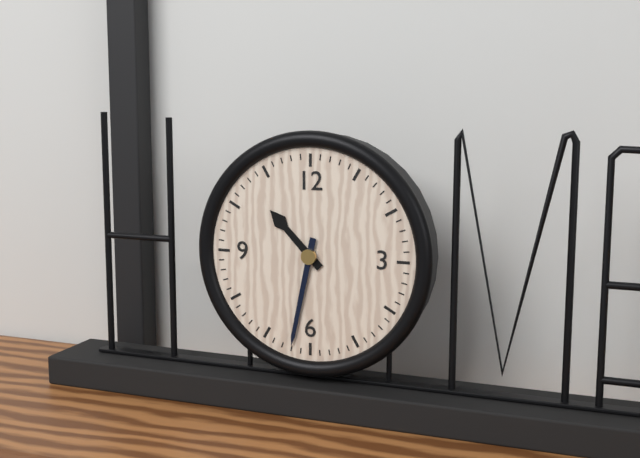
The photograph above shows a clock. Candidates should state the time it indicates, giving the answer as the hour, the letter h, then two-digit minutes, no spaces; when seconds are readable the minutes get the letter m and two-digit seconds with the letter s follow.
10h32
